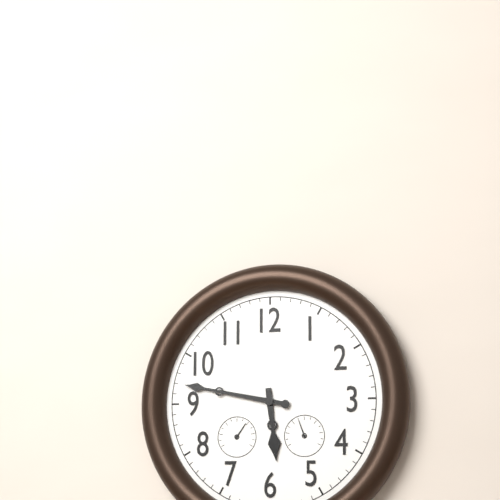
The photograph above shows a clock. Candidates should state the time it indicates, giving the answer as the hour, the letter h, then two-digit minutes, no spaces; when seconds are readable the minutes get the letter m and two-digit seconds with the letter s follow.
5h47
